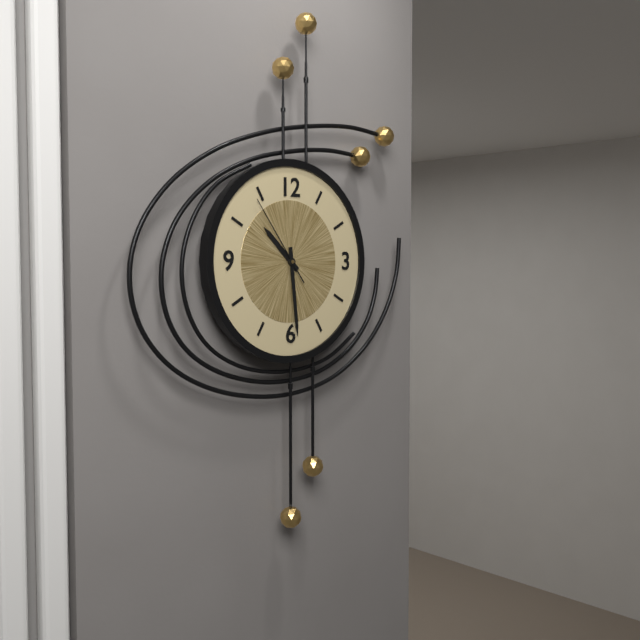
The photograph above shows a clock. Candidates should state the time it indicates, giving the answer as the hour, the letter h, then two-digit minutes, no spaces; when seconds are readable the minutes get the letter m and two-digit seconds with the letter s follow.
10h29m54s
